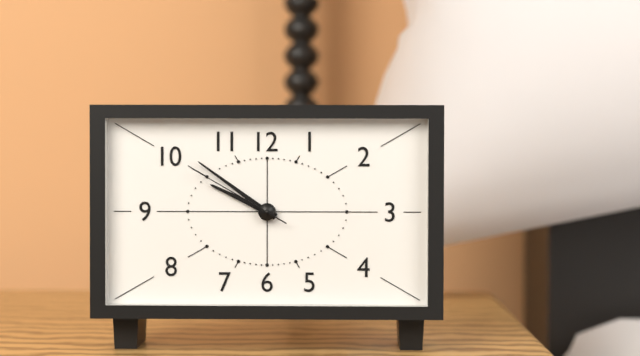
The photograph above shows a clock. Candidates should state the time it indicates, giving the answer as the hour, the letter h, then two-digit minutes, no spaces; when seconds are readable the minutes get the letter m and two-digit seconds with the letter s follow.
9h51m50s
